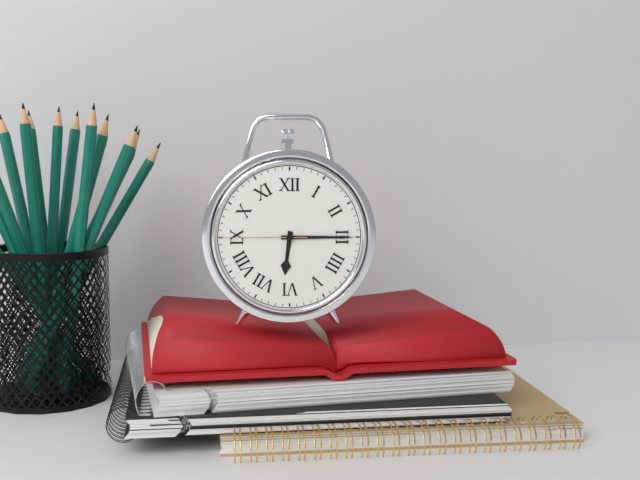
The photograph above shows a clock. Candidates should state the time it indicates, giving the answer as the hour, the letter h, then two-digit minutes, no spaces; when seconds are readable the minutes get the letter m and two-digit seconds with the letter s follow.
6h15m45s
